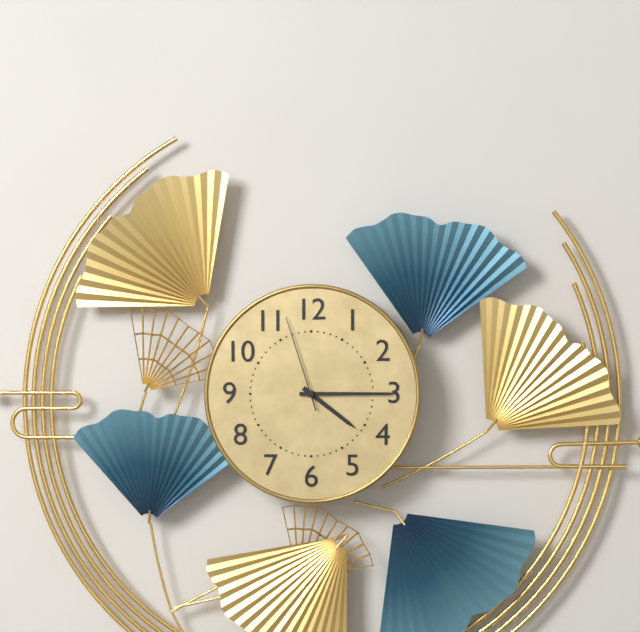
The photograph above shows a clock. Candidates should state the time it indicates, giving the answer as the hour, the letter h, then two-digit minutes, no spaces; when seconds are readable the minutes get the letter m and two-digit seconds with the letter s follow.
4h15m57s
